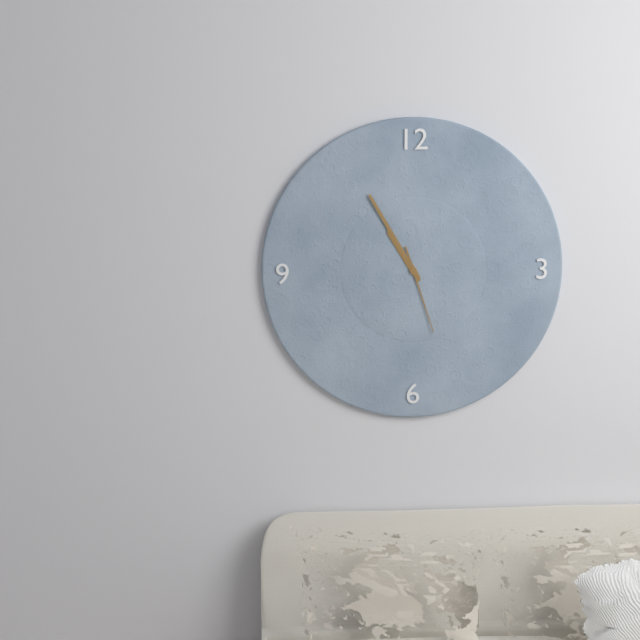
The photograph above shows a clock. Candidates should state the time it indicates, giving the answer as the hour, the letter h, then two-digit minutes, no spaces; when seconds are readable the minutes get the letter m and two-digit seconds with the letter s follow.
10h55m27s
